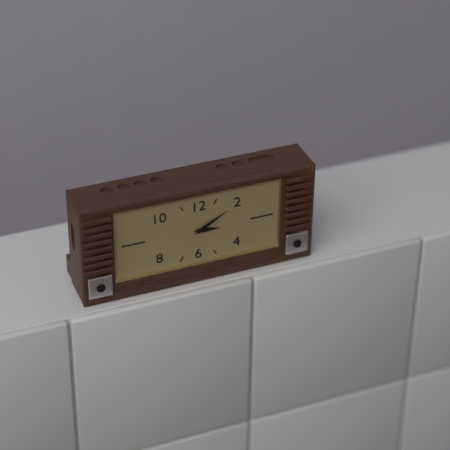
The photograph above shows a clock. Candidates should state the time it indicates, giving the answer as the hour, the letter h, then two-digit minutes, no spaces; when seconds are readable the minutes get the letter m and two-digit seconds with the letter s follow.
3h10
